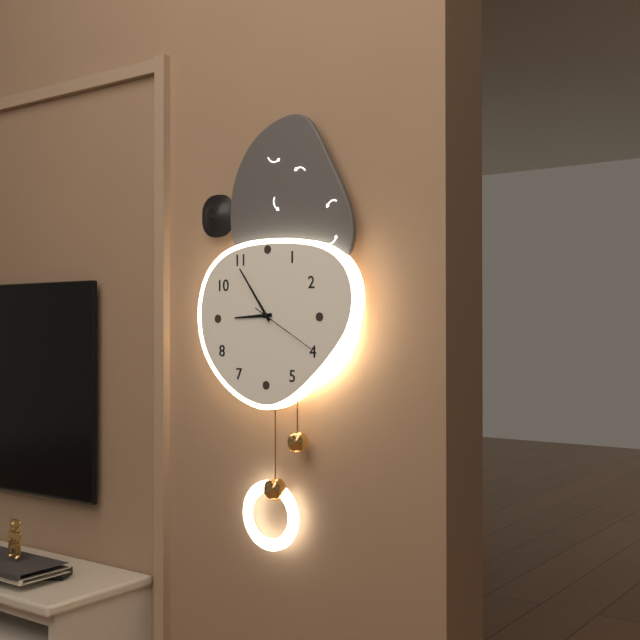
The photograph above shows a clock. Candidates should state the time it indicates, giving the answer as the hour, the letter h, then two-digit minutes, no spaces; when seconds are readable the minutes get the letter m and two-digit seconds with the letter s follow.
8h54m20s
